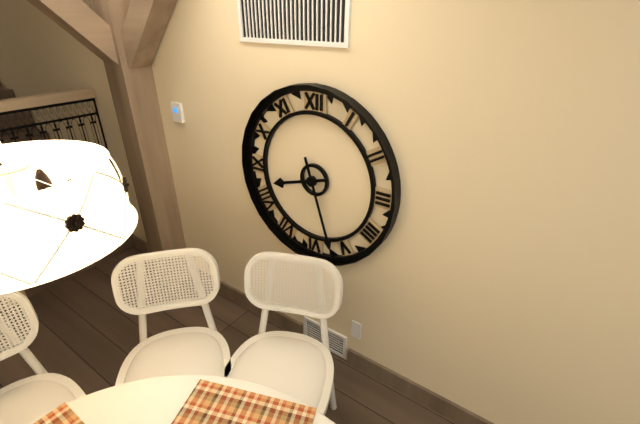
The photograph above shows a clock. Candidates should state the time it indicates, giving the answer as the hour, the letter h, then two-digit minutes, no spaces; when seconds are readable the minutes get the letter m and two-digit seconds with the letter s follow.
8h27
